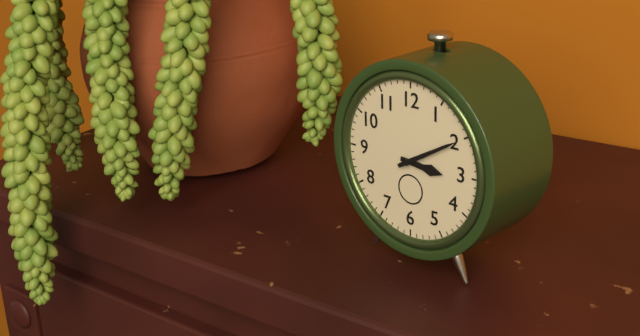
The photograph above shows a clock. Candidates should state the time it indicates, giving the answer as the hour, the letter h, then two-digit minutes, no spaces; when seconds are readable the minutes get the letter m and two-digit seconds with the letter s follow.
3h10
